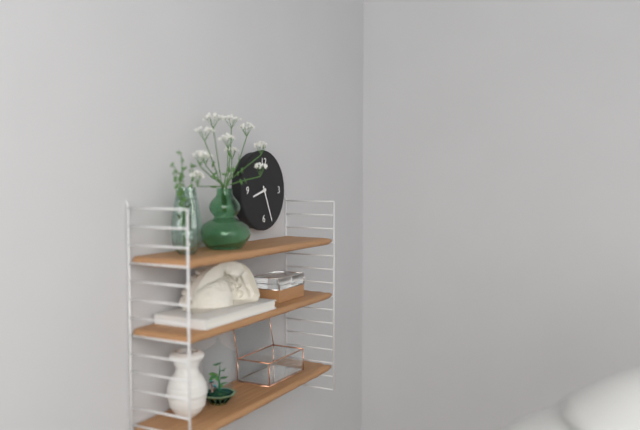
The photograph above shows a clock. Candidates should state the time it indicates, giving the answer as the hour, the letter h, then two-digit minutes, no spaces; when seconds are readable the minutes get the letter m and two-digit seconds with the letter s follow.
8h26
